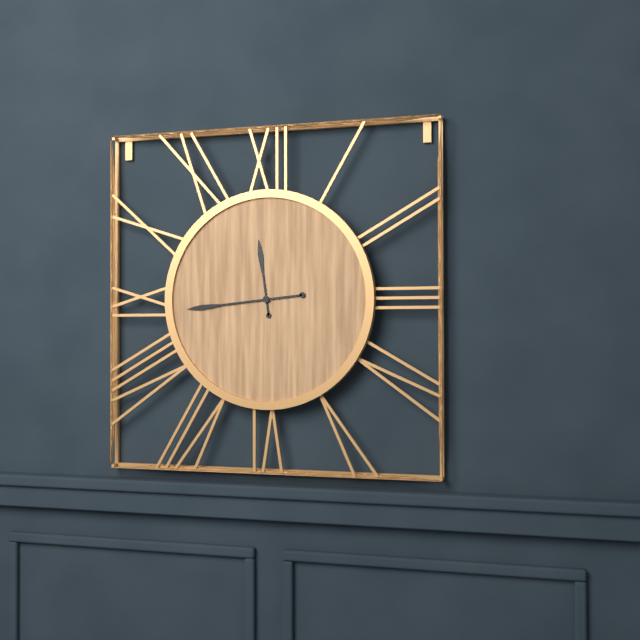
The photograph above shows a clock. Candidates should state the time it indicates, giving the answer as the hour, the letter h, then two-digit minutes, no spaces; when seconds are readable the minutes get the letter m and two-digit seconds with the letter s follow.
11h44
